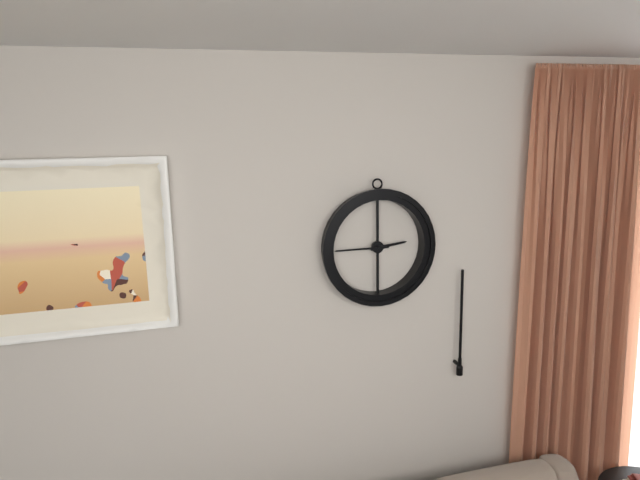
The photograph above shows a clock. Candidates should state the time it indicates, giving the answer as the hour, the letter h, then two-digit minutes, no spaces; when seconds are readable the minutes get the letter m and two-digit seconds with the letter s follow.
2h45
